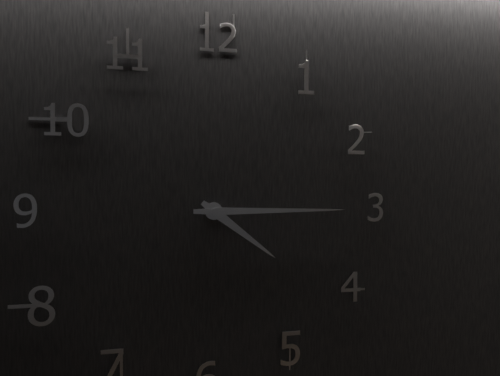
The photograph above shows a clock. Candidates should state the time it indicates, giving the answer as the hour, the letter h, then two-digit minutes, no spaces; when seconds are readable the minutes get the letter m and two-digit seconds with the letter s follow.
4h15
